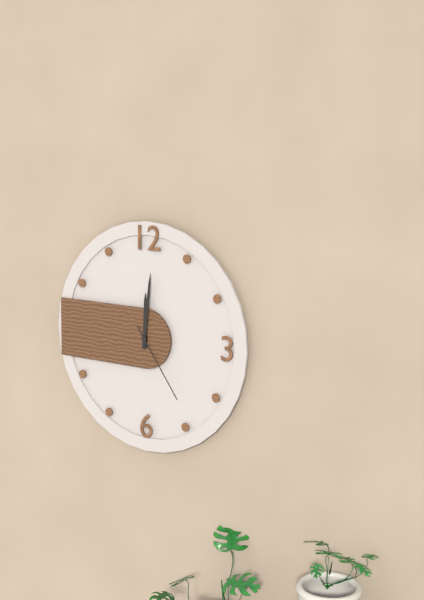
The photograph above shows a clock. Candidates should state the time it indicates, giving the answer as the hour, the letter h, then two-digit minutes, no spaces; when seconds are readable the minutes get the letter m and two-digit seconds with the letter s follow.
12h01m24s
